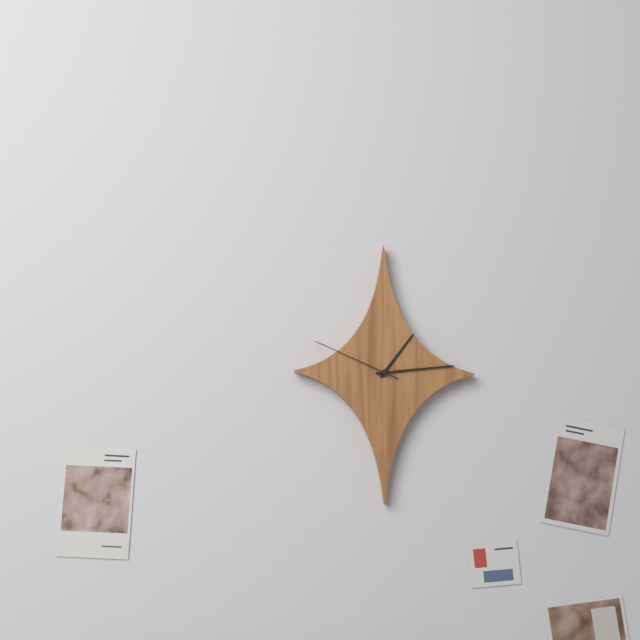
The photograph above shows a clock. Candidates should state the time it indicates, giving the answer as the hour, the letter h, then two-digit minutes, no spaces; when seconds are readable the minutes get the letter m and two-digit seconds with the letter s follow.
1h14m49s
